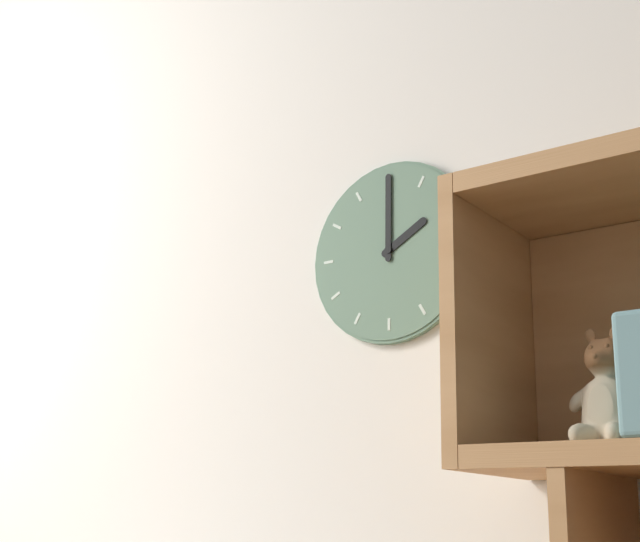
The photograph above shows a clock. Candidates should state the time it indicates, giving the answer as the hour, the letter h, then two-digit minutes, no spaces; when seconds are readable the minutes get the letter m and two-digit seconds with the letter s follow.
2h00
